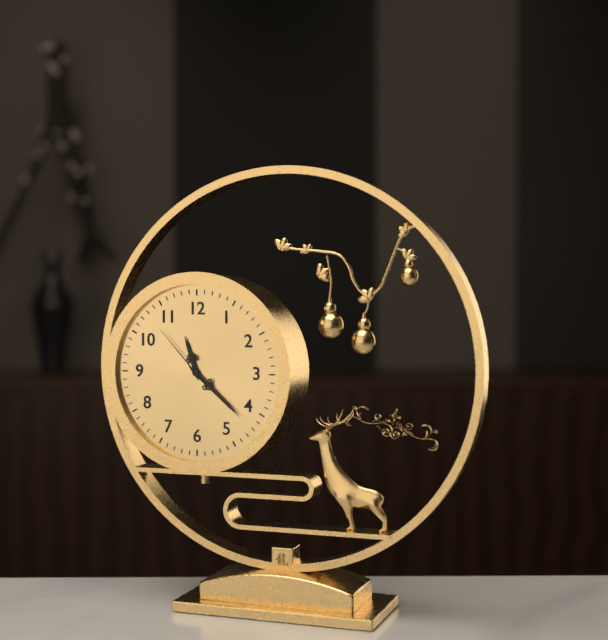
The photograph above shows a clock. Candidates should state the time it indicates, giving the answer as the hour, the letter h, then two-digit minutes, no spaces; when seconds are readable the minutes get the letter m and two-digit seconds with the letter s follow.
11h22m53s
